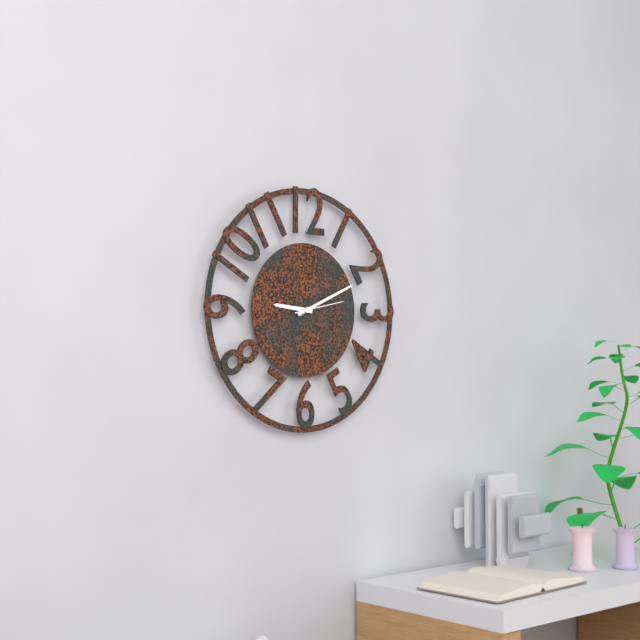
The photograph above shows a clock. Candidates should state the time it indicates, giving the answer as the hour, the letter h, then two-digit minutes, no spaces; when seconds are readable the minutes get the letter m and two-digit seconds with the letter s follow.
9h11m13s
